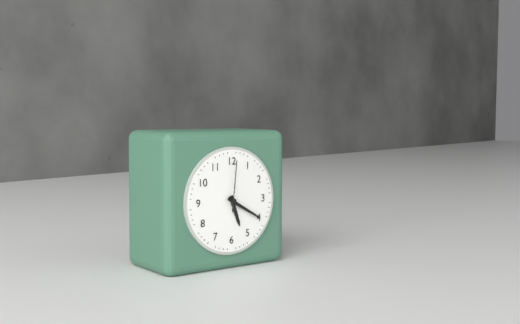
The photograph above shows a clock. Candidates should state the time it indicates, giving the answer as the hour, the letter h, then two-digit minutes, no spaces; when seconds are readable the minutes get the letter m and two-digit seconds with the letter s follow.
5h20m01s
